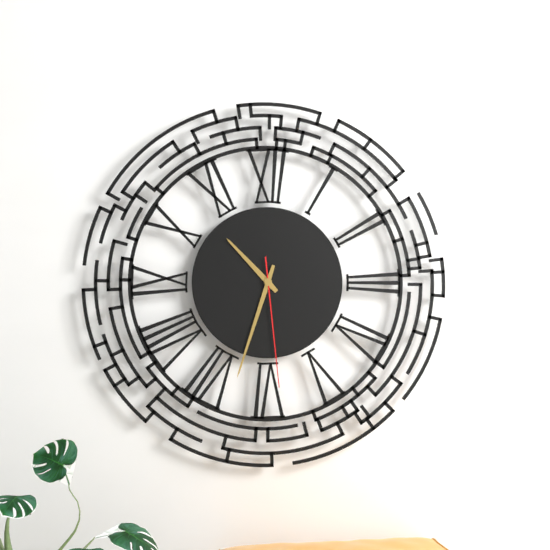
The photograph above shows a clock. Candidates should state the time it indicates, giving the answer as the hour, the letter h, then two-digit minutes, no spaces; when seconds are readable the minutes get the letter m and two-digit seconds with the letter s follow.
10h33m29s
